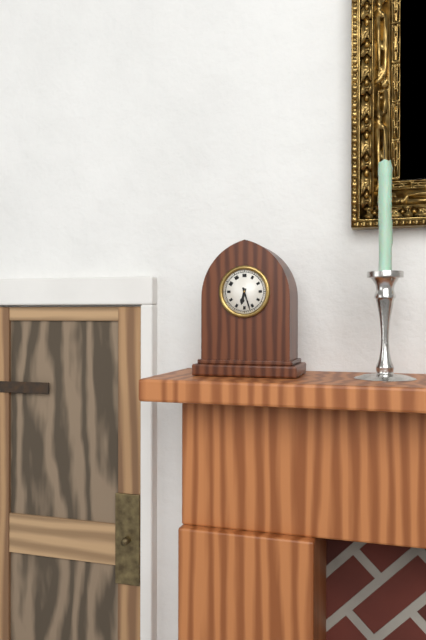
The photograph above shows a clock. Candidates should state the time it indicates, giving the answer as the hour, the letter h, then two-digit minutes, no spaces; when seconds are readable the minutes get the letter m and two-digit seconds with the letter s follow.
6h27
